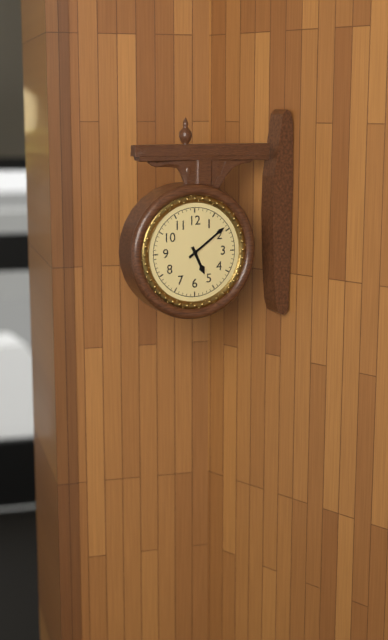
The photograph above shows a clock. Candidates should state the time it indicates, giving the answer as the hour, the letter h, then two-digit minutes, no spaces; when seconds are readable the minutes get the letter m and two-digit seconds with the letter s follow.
5h09
